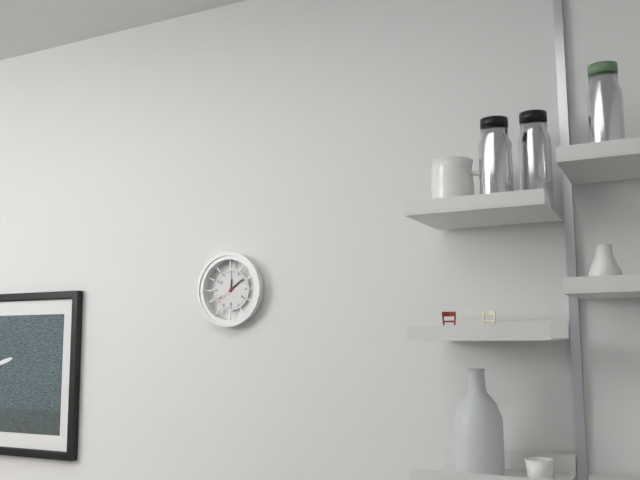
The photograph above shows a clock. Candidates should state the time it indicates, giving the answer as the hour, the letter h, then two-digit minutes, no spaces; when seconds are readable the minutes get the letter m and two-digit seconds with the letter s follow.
12h09
